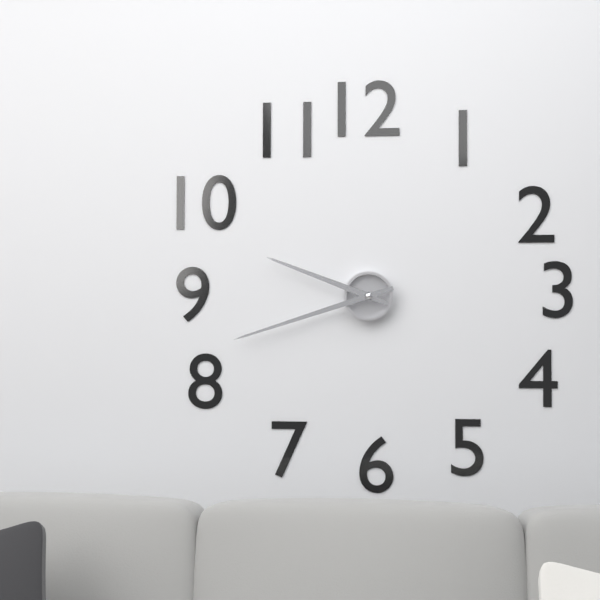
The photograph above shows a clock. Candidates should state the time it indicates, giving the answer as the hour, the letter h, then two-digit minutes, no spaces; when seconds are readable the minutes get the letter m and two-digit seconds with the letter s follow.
9h42
